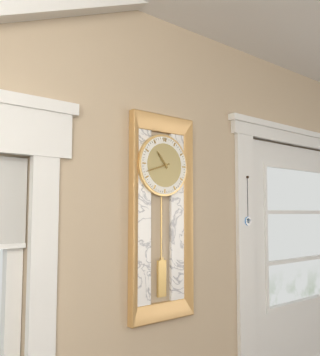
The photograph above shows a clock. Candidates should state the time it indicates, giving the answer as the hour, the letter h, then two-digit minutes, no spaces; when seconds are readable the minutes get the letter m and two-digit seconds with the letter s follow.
10h42
